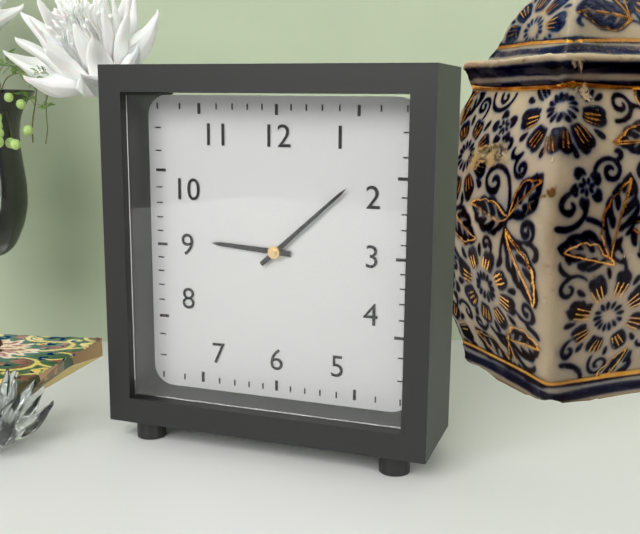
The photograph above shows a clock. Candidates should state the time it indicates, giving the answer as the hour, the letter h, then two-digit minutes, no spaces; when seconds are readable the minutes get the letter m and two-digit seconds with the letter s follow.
9h08
